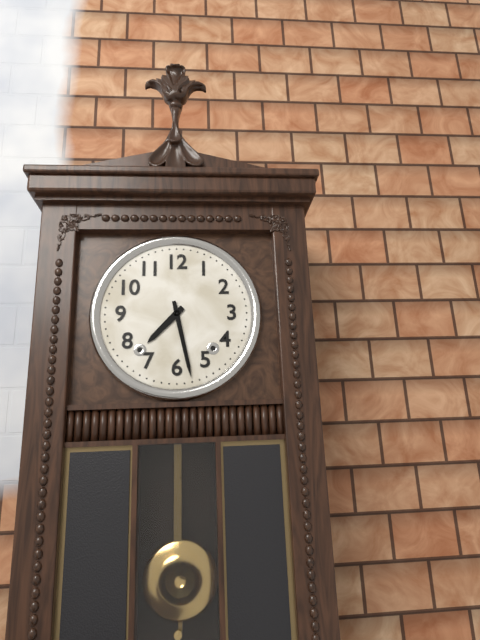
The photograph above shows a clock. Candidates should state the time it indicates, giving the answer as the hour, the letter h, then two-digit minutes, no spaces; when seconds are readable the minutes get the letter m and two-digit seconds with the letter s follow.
7h28
